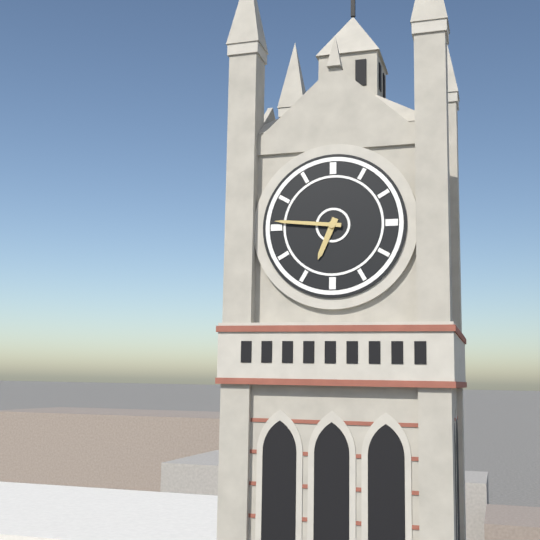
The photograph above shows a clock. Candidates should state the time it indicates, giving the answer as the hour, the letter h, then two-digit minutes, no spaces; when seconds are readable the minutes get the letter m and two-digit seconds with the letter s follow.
6h46
